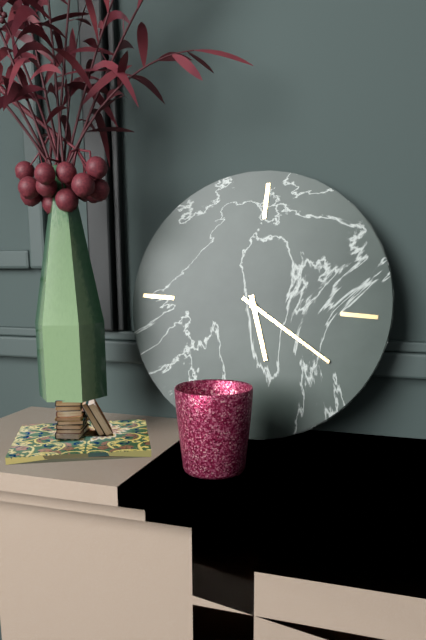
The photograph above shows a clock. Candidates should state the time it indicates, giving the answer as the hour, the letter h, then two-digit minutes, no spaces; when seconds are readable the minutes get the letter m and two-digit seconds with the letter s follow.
5h20
